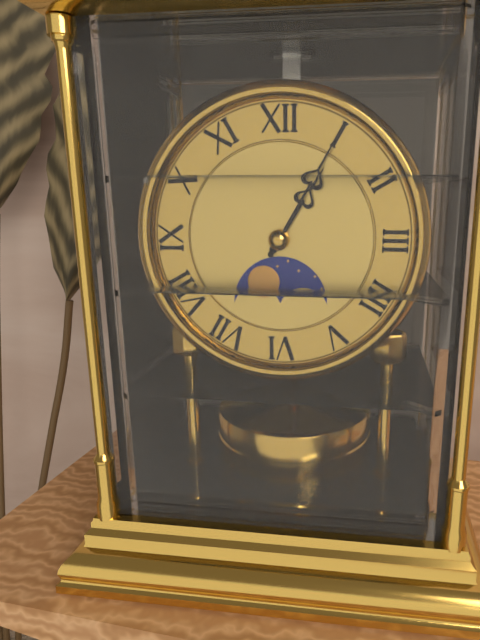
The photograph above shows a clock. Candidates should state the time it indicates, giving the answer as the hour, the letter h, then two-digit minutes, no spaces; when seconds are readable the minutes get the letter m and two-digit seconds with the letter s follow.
1h05
